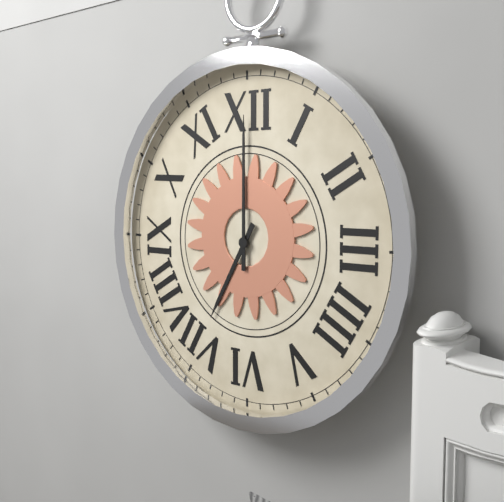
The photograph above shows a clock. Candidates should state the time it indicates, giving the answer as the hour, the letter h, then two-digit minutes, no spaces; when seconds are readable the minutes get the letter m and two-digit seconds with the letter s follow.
7h00
